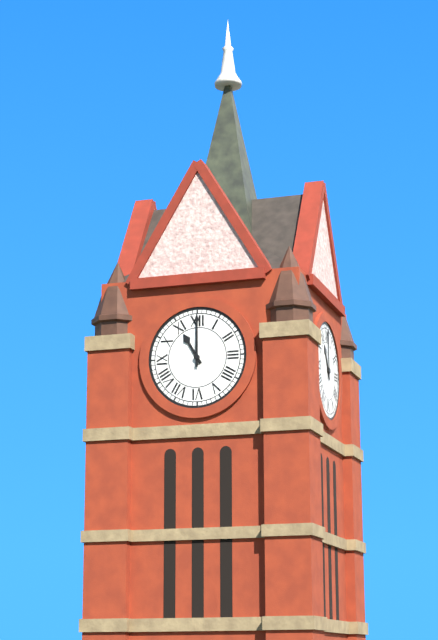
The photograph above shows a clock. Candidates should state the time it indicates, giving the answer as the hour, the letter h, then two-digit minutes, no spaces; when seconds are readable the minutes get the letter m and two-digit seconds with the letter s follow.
11h00
